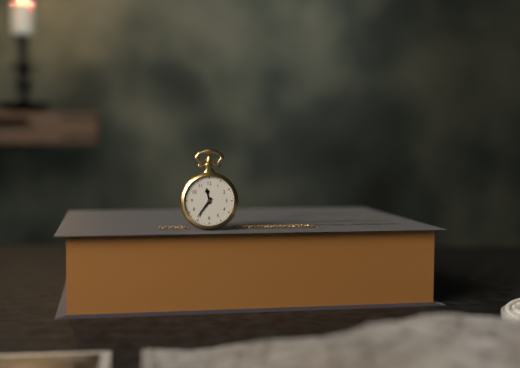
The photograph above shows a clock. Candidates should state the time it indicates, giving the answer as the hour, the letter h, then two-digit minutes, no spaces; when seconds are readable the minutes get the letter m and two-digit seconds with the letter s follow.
11h36
